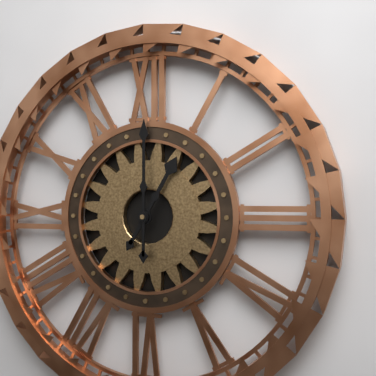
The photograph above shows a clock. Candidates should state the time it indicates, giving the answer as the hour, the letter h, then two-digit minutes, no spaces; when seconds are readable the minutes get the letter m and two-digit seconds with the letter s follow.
1h00
